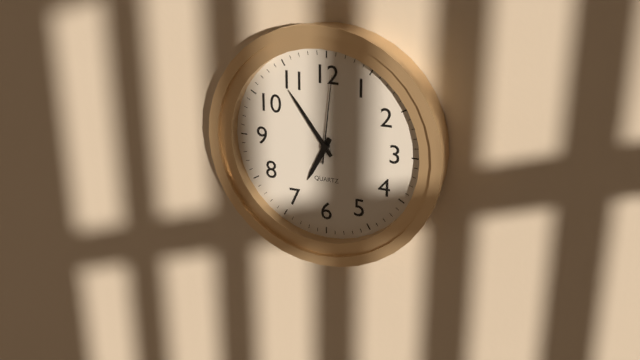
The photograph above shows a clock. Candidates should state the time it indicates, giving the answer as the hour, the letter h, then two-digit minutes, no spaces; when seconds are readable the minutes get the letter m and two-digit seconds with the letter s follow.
6h54m01s
